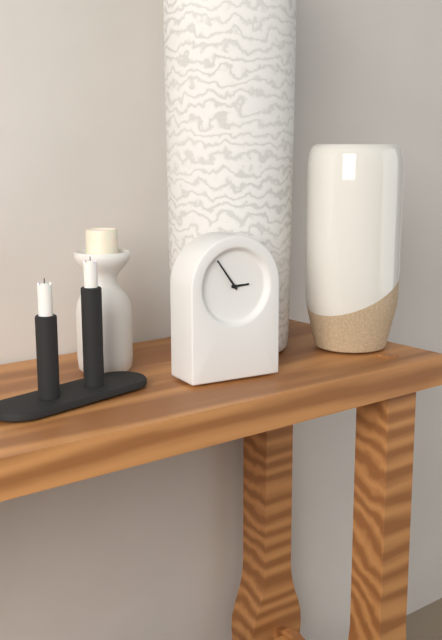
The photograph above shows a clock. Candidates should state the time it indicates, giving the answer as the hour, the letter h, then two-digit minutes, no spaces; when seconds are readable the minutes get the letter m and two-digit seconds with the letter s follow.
2h54
